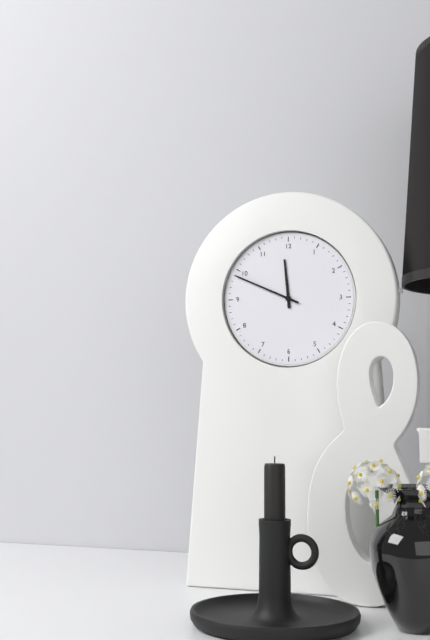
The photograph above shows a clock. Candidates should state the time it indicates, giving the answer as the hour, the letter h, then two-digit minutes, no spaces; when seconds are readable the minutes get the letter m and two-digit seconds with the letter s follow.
11h49
